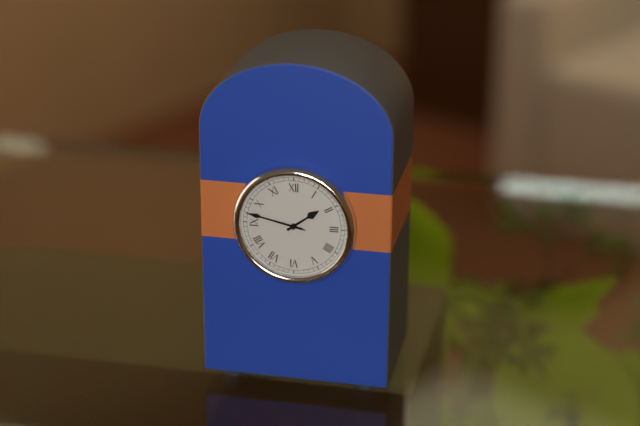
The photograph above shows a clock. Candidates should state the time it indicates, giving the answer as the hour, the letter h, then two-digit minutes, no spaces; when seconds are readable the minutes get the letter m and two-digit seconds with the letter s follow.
1h47m47s
